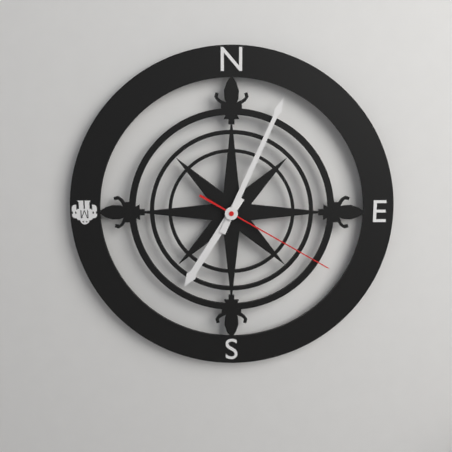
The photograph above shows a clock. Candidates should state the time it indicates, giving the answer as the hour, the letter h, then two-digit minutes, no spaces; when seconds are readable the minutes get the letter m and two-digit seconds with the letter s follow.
7h04m20s
